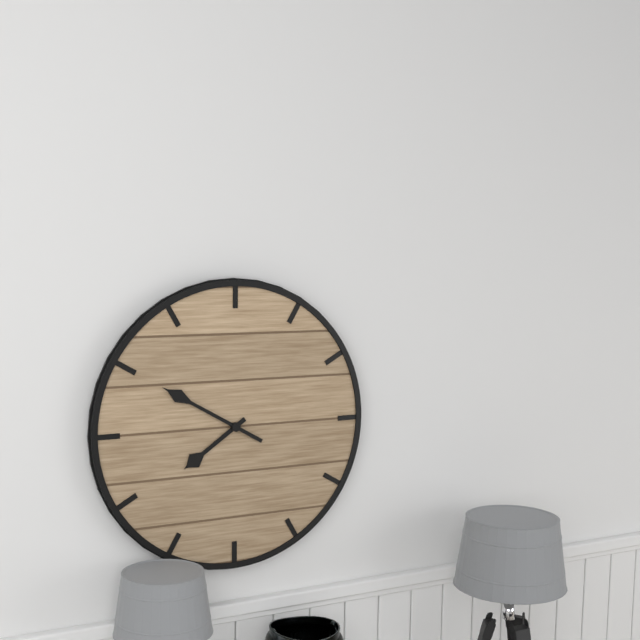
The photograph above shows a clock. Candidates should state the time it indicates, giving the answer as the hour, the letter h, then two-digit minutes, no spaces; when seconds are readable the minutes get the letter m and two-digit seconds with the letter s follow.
7h50
